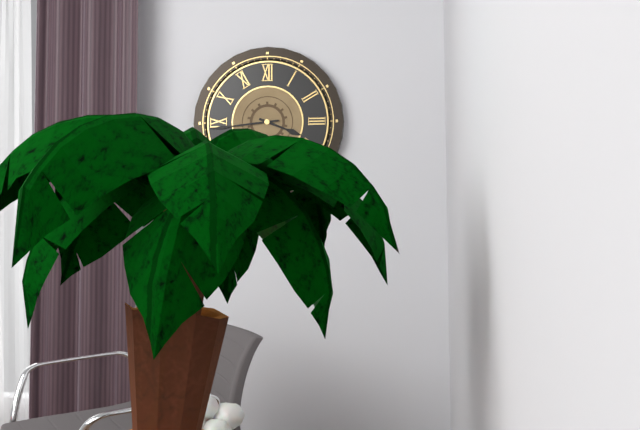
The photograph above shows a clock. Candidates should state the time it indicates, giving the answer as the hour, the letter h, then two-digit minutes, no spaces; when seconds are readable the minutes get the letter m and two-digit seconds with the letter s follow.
3h44
